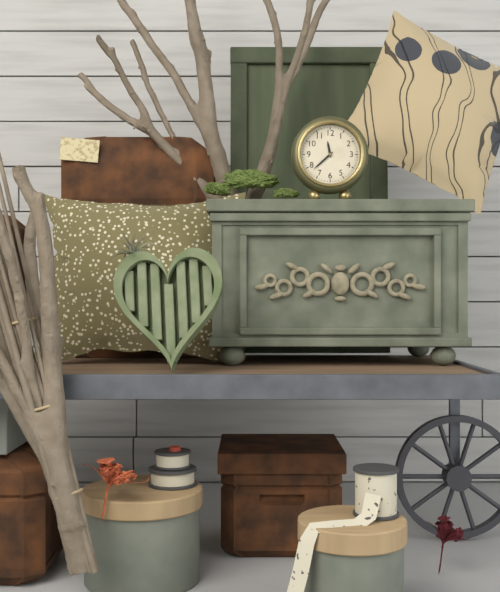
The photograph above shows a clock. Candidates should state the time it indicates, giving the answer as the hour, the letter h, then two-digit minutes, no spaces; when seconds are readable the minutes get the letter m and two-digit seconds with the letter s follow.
11h38
